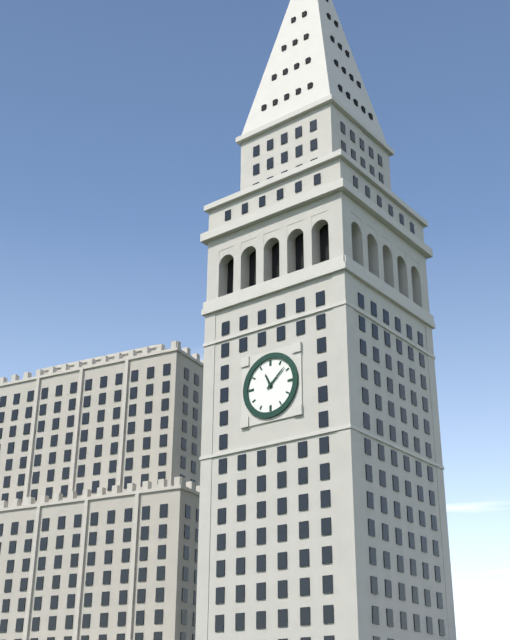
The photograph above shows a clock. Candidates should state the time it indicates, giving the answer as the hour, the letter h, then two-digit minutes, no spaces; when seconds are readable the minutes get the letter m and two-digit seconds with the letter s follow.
11h08
